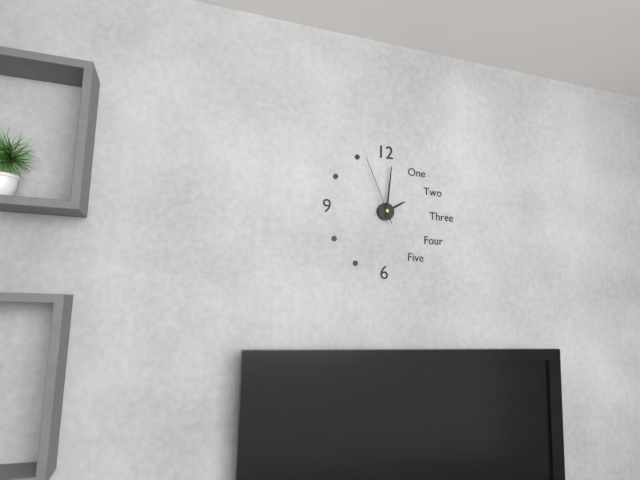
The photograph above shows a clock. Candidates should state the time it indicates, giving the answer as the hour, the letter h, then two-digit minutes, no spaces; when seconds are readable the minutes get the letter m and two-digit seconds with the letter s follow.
2h01m56s
